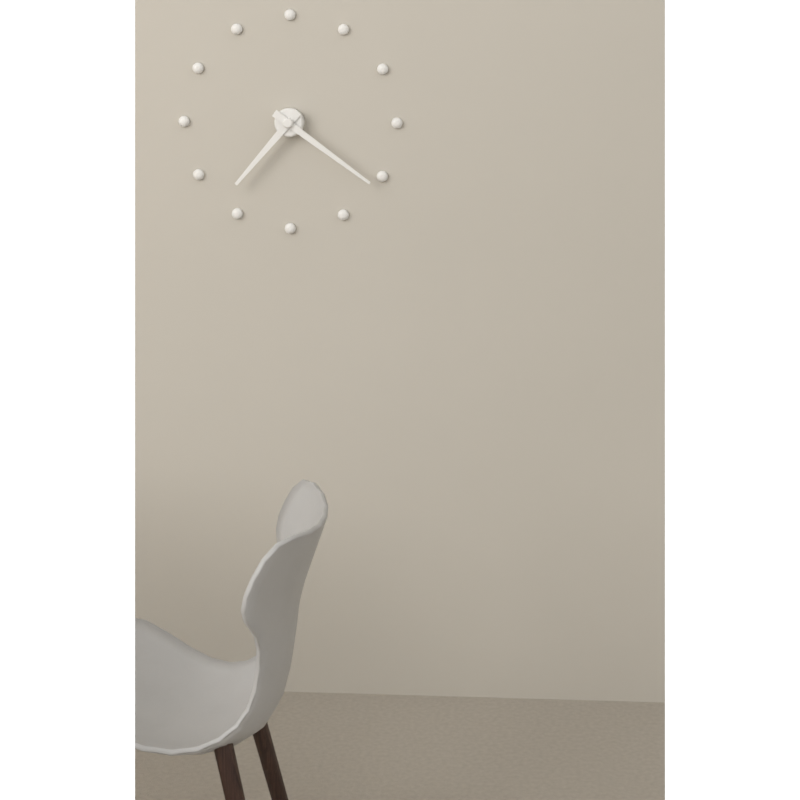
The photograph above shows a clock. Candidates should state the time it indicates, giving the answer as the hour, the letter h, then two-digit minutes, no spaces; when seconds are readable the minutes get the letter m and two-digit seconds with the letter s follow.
7h21
